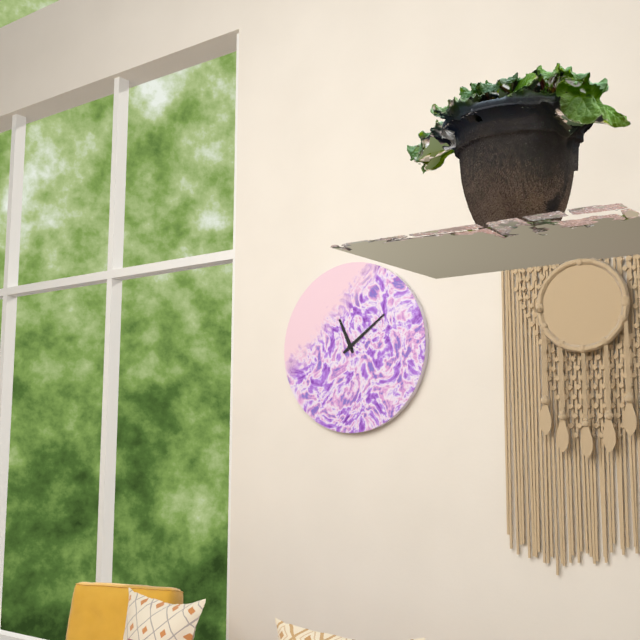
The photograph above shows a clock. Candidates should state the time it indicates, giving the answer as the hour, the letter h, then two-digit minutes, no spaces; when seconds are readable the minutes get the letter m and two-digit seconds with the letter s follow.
11h09
